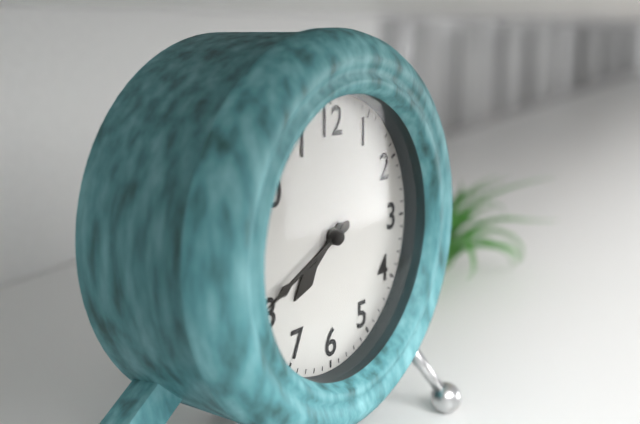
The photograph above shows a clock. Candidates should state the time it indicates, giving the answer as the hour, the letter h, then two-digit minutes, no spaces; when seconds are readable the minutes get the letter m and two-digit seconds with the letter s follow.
7h41
